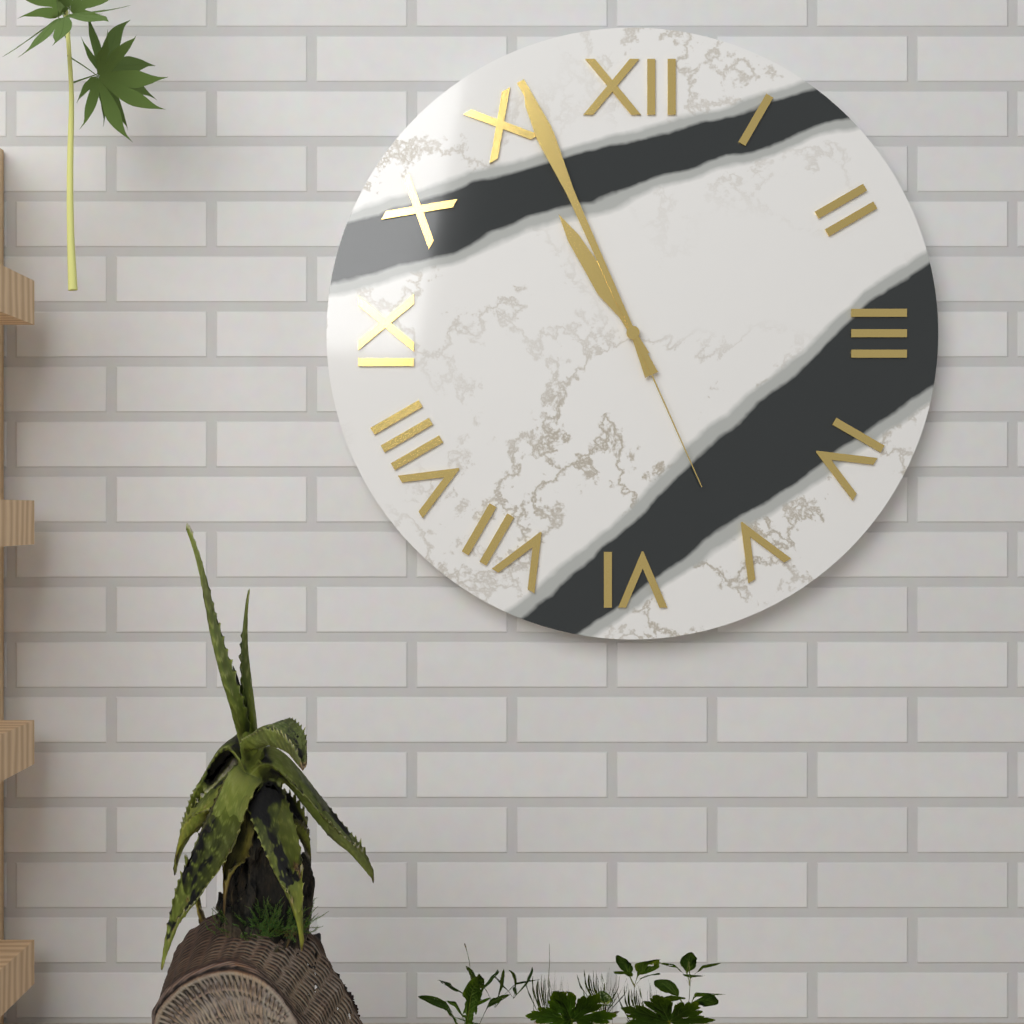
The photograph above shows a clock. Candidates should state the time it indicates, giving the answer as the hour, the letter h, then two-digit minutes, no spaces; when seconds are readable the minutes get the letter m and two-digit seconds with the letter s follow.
10h56m26s
